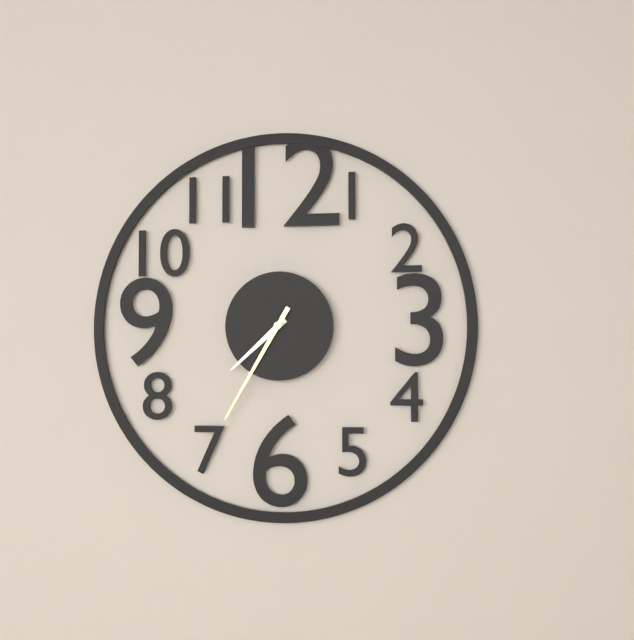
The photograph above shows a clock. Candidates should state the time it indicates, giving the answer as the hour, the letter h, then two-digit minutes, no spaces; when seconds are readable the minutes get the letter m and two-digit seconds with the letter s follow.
7h35
